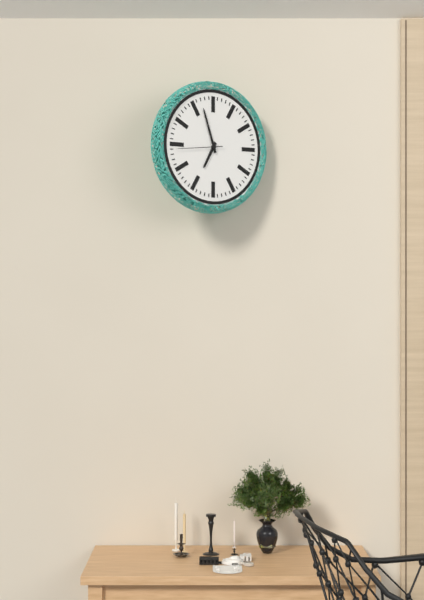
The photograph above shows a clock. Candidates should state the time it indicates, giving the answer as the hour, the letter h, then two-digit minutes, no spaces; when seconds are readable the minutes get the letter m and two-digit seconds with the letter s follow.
6h57
